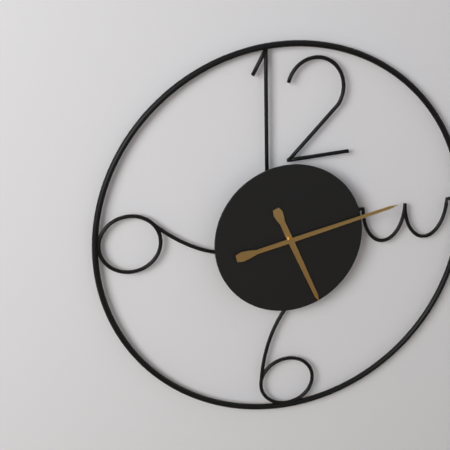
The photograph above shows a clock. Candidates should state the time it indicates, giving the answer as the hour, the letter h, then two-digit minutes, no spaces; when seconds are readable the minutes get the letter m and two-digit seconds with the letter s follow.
5h13
